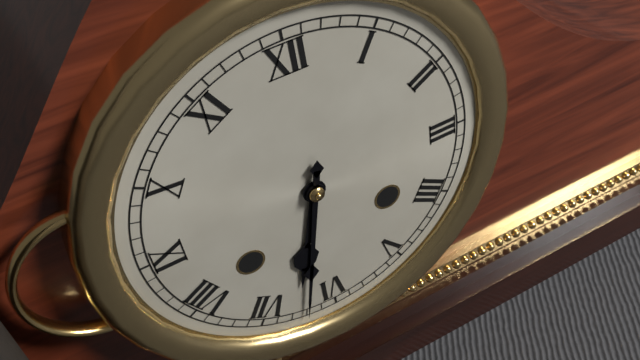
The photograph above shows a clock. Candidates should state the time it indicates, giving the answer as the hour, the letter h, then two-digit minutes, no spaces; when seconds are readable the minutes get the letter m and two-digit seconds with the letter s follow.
6h32
